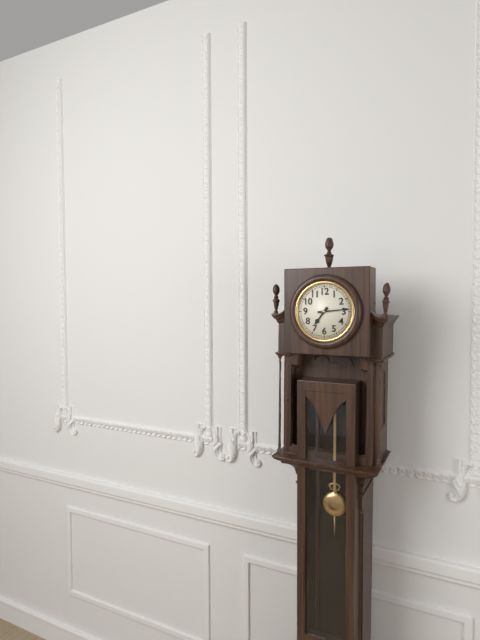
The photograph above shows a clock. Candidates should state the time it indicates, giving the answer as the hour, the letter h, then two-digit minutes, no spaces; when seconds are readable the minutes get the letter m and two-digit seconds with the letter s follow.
7h14
